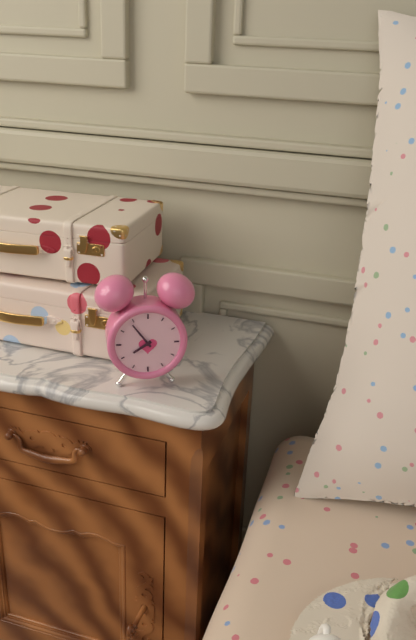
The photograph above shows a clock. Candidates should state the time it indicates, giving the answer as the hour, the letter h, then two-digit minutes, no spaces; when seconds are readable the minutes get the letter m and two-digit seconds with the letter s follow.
7h54
